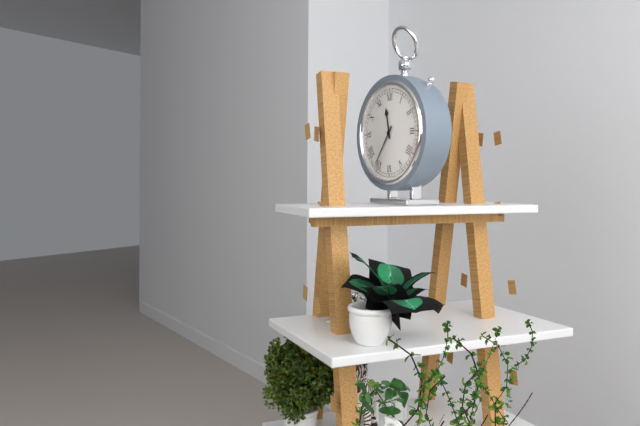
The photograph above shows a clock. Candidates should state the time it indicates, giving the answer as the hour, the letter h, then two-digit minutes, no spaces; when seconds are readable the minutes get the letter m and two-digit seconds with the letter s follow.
11h36
